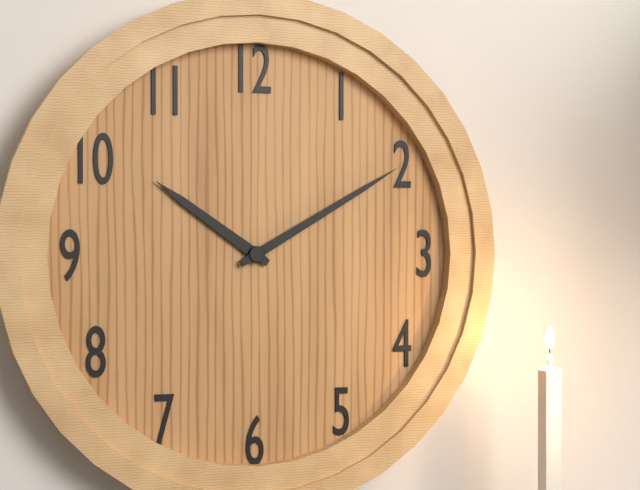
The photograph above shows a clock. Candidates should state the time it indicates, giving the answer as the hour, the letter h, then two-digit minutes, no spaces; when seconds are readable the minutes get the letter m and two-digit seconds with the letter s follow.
10h10
